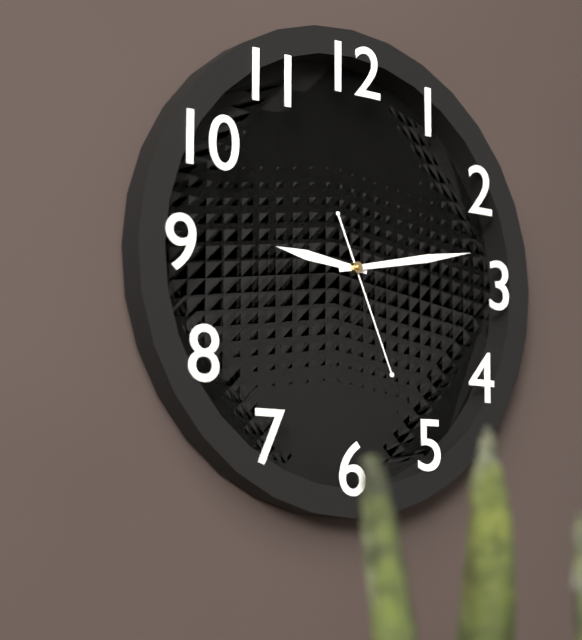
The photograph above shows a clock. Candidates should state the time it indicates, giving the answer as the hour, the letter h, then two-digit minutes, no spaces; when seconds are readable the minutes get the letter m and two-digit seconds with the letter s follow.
9h13m26s
